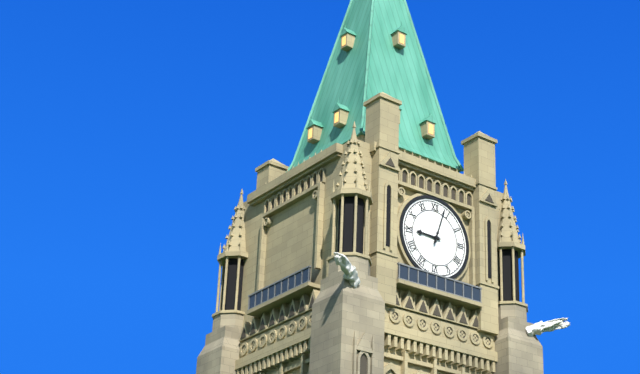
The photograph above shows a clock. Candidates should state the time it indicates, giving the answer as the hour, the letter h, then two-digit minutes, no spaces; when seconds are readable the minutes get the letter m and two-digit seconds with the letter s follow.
9h03
